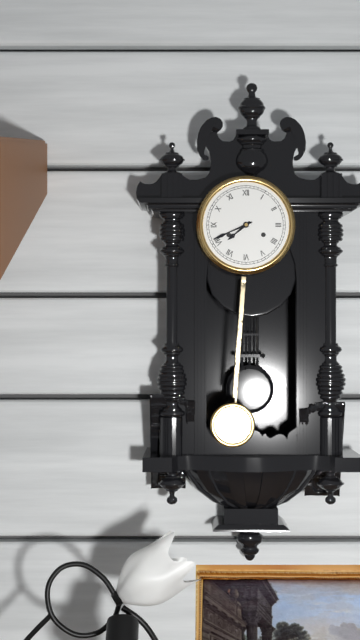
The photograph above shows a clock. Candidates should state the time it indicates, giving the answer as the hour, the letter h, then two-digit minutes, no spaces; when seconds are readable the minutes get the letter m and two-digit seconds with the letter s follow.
7h41
